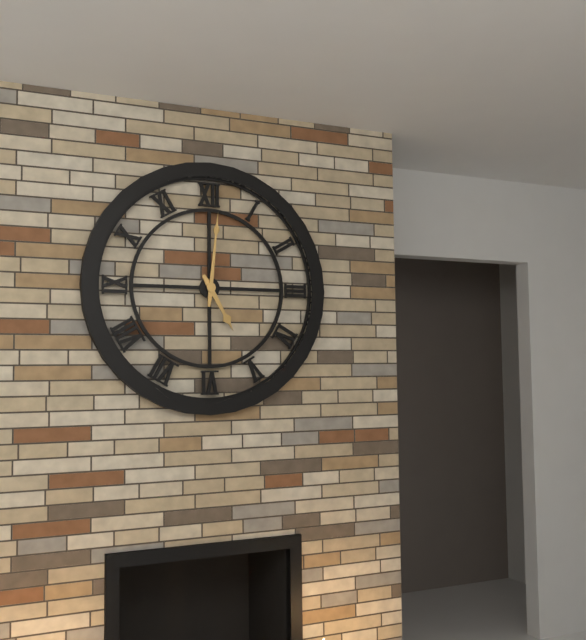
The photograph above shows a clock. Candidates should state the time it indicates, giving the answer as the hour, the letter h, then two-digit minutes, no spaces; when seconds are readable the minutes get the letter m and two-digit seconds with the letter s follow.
5h01
